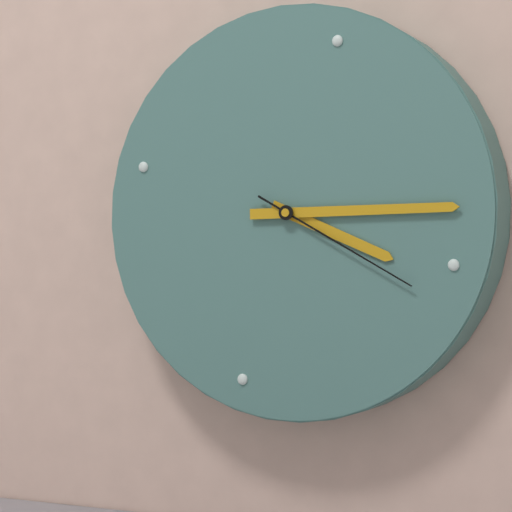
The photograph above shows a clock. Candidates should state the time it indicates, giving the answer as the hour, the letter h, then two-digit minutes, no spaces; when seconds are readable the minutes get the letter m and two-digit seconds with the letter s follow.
3h12m17s
